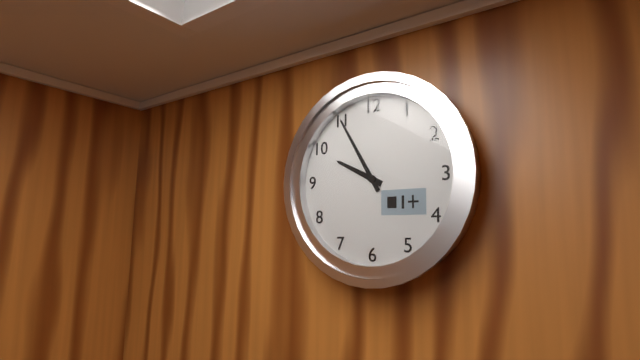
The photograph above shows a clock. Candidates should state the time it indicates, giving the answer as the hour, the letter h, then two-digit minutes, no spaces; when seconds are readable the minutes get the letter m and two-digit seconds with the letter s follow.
9h55
